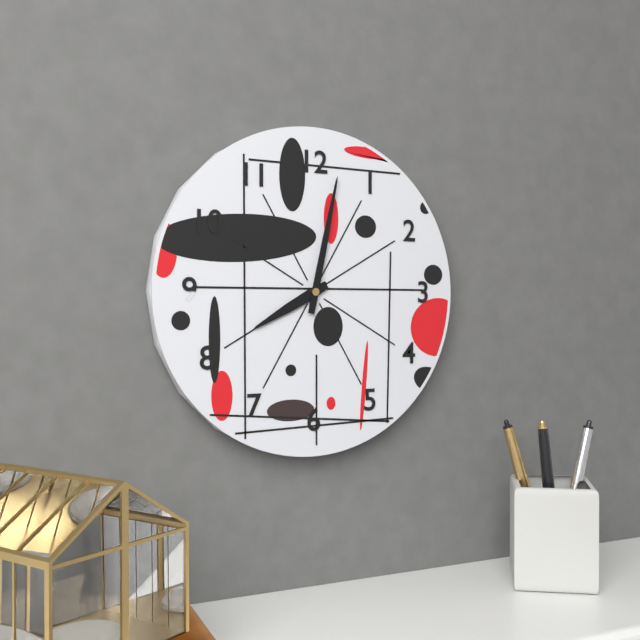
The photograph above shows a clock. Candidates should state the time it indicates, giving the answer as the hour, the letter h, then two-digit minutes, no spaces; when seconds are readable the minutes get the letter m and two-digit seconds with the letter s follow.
8h02
